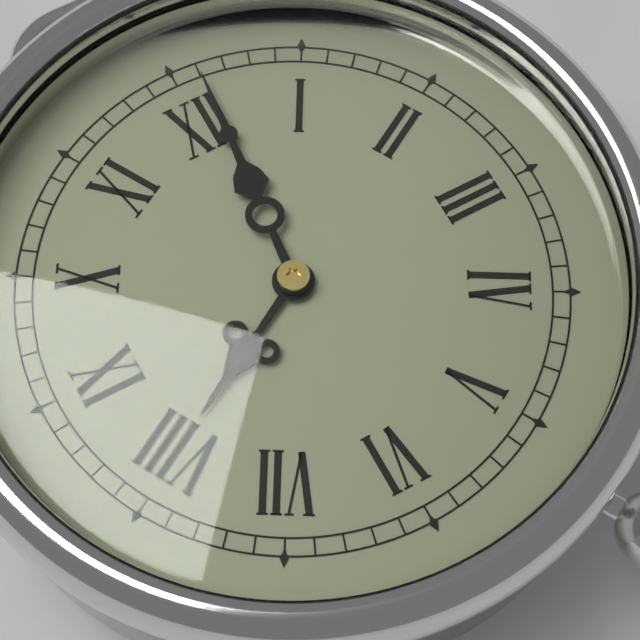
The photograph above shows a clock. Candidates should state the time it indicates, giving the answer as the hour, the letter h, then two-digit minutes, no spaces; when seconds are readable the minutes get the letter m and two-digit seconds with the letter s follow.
8h01
